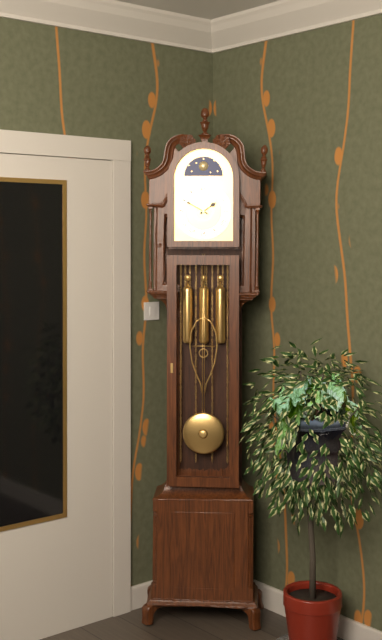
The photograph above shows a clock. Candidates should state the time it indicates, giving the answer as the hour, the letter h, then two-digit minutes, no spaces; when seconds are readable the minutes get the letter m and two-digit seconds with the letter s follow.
1h50
